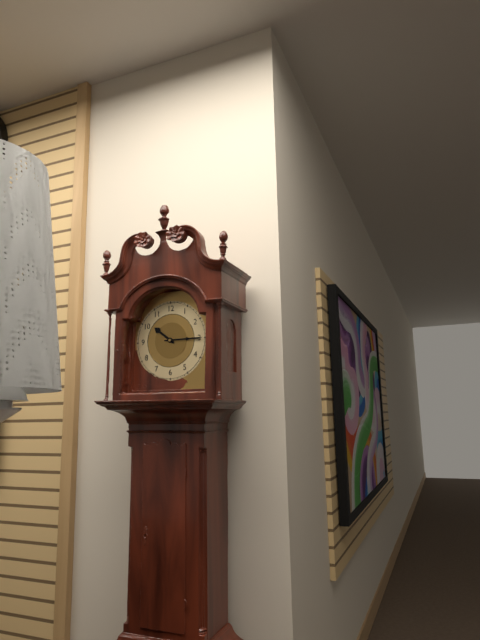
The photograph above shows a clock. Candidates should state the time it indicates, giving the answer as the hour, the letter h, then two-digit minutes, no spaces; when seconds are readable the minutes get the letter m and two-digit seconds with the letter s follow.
10h15
